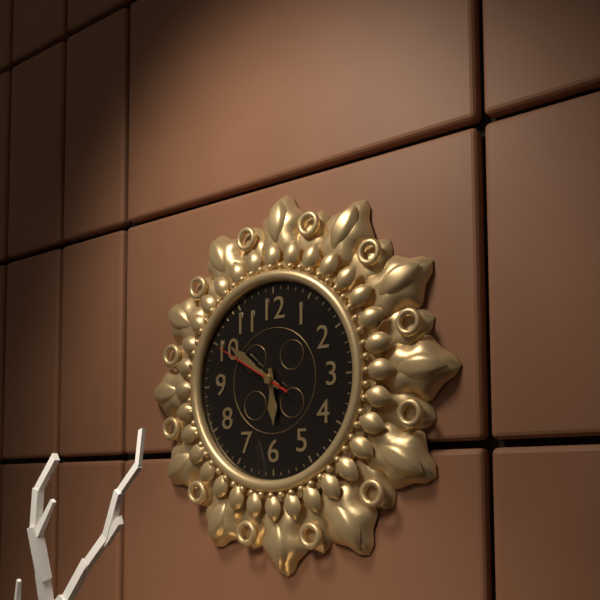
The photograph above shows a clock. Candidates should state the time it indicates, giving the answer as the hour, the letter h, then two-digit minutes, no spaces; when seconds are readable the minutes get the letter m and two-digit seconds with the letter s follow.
5h51m50s
